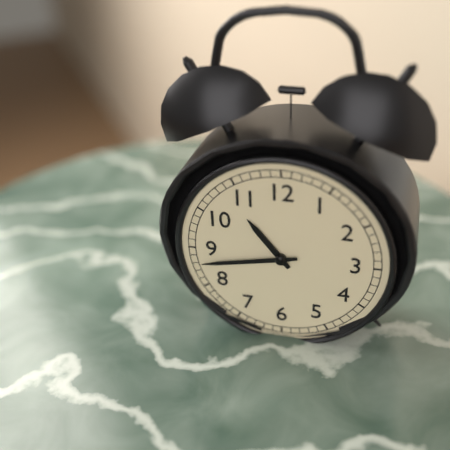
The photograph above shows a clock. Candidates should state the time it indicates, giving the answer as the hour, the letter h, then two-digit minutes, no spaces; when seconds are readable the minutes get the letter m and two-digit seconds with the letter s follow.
10h43
